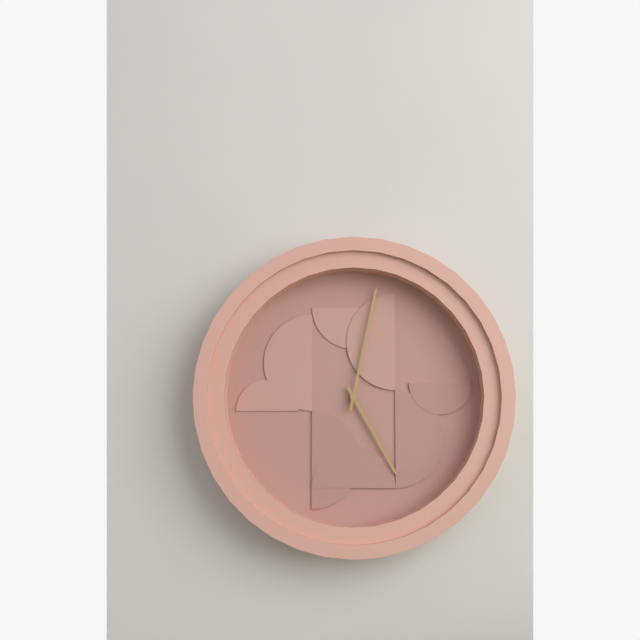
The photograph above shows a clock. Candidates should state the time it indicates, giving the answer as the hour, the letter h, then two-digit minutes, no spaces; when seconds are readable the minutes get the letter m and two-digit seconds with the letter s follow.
5h02
